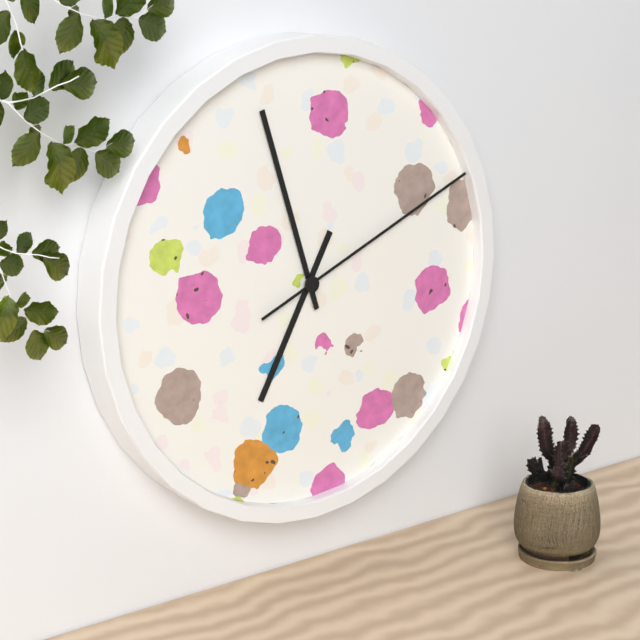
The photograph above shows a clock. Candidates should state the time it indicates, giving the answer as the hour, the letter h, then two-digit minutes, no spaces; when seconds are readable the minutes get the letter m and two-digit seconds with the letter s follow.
6h57m11s
